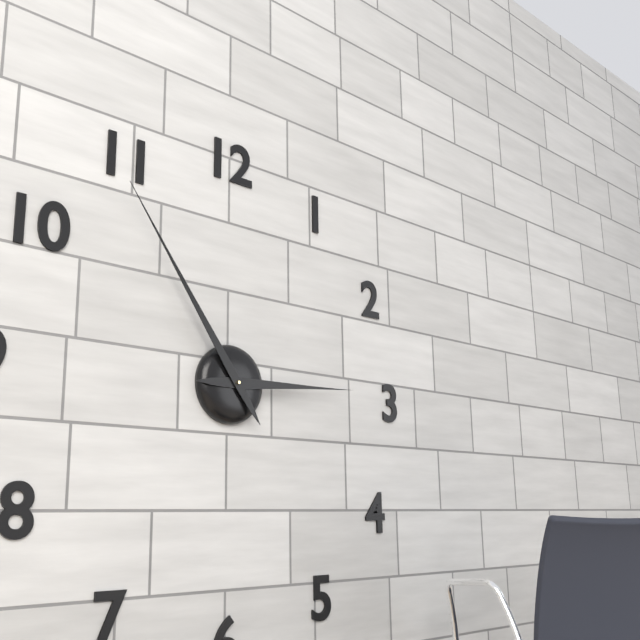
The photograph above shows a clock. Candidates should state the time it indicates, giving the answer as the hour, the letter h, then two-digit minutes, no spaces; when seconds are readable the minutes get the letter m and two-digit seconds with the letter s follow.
2h54
